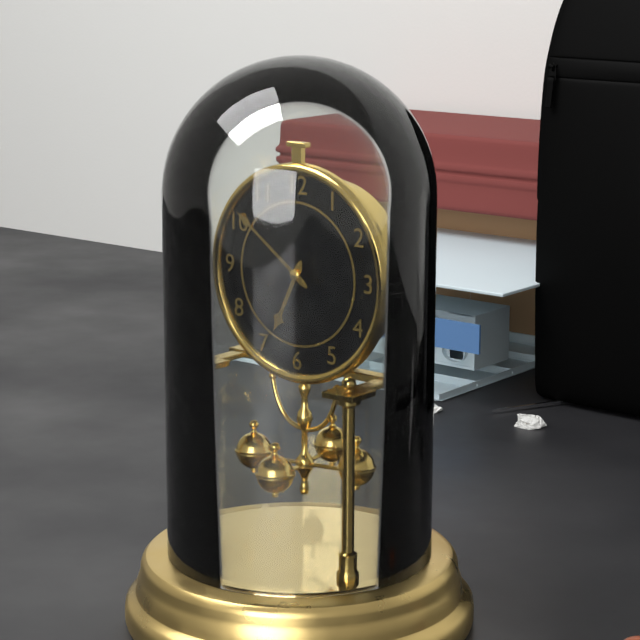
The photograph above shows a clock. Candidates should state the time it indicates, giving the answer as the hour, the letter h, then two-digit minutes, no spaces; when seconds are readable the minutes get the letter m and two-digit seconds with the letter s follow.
6h51
